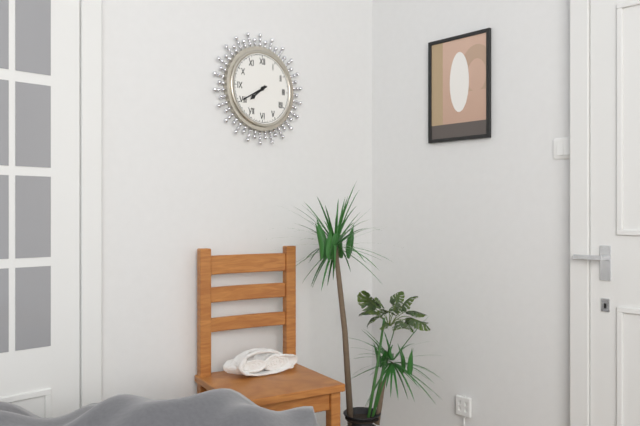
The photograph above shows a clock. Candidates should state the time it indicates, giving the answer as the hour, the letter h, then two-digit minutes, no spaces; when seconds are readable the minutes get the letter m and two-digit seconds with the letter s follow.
7h40
